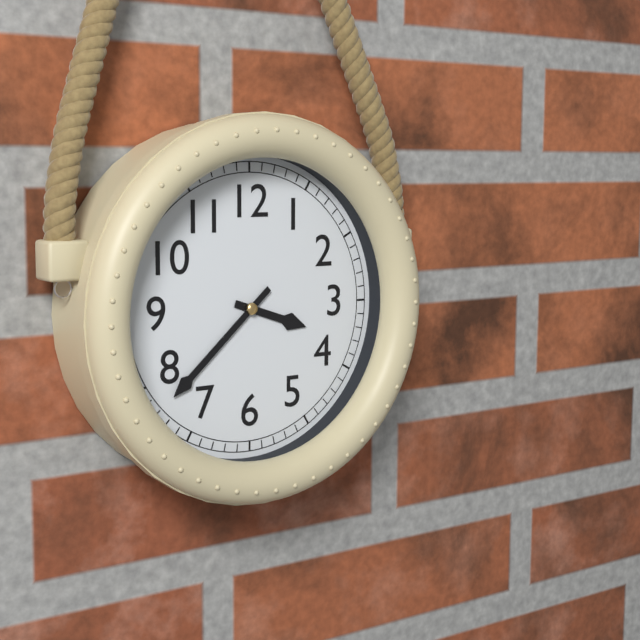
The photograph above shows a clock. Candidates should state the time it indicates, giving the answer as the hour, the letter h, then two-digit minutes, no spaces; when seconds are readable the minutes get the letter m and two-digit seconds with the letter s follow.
3h38
